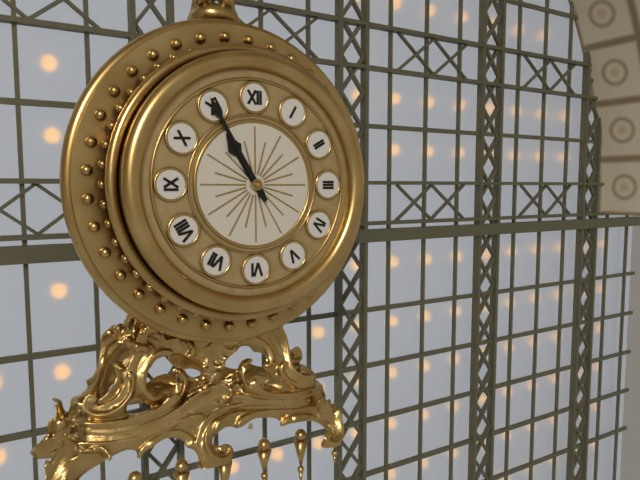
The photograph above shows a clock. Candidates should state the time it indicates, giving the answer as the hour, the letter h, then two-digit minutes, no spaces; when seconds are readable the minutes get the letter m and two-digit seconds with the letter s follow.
10h55
